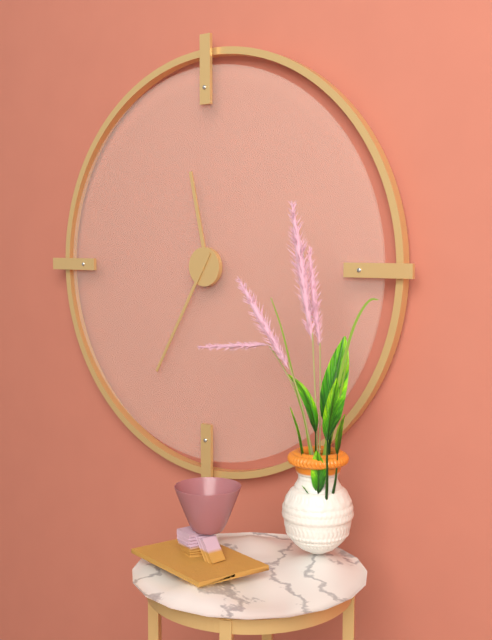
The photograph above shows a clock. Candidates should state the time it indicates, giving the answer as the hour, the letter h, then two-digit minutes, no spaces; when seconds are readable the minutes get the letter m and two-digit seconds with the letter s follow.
11h35
